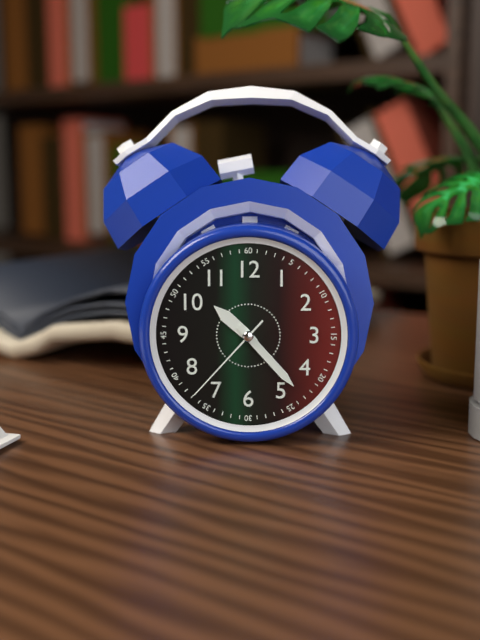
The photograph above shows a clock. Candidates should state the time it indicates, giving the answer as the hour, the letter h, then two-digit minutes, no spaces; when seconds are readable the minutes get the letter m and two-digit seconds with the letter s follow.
10h23m37s
